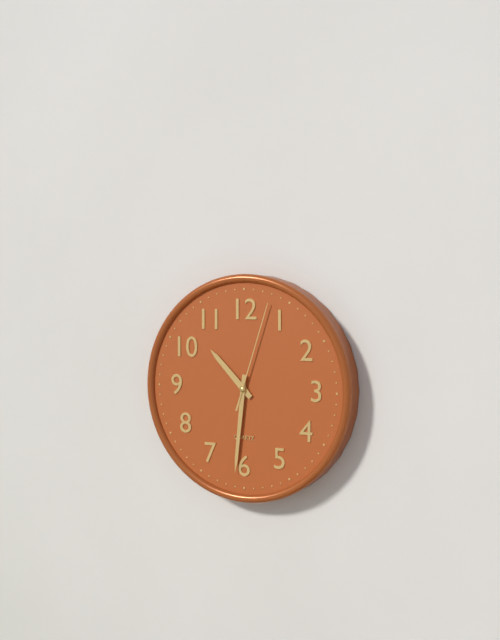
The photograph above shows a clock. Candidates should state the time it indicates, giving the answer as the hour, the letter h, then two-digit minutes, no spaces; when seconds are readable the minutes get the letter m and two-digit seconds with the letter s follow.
10h31m03s
